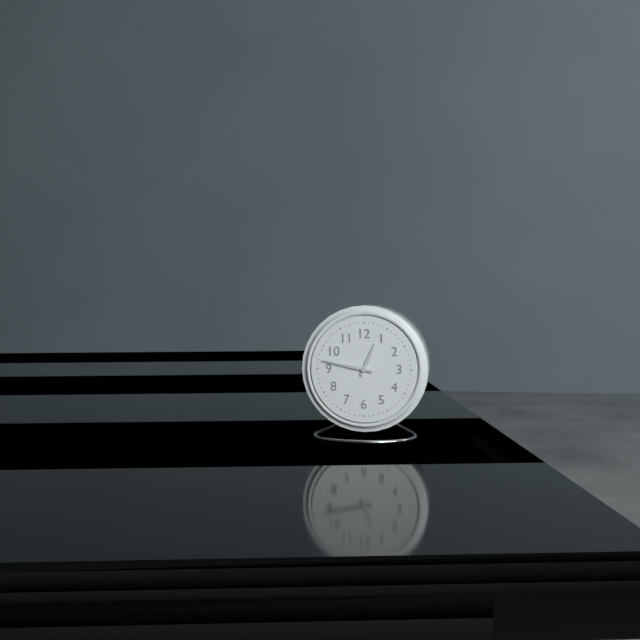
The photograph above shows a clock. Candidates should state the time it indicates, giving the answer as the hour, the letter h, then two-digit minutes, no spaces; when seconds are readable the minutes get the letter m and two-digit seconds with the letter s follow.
12h47
